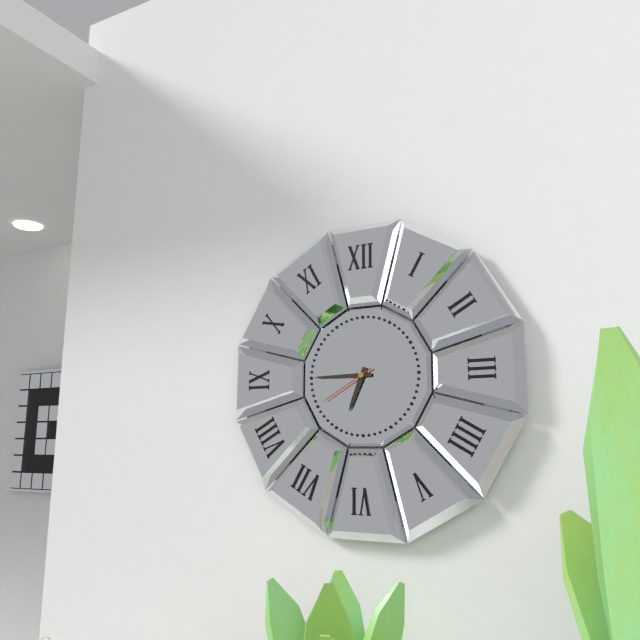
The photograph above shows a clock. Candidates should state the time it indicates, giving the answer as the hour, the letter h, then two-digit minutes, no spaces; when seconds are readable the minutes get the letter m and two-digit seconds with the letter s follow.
6h45m40s
